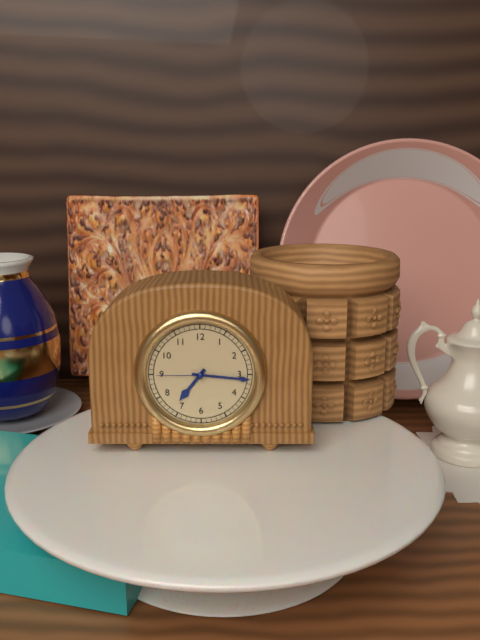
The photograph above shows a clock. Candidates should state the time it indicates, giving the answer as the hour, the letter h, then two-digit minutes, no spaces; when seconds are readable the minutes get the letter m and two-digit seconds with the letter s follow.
7h16m45s
